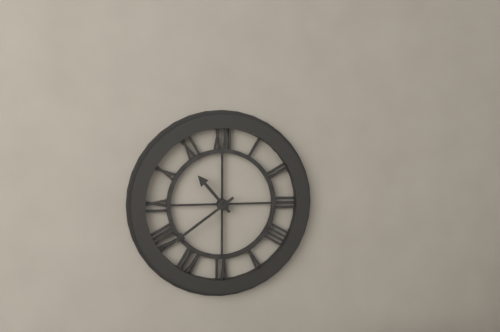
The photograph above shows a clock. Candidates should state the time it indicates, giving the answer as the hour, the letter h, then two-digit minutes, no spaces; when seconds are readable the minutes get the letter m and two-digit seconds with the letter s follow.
10h39
